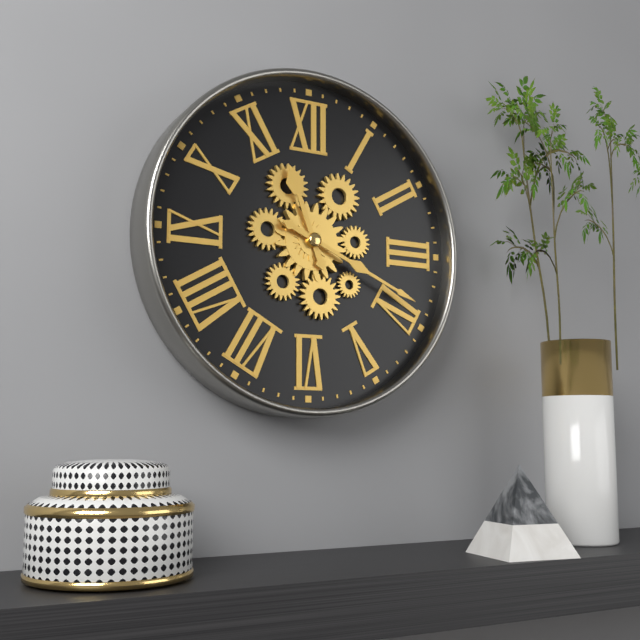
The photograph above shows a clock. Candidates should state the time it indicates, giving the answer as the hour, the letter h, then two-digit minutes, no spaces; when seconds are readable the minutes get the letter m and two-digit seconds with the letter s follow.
11h19
